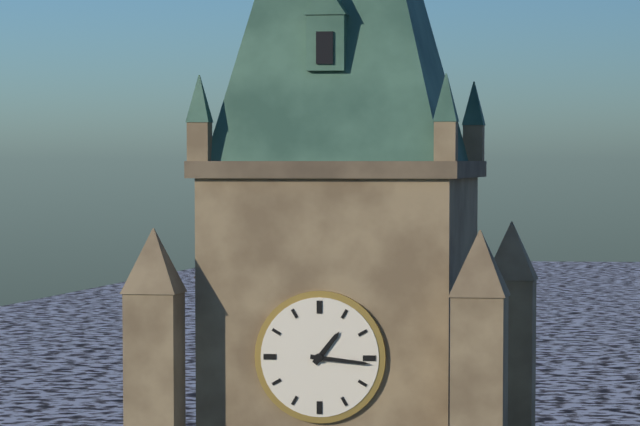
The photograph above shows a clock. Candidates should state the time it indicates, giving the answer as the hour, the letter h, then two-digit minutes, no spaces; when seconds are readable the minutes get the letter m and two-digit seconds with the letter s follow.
1h16
